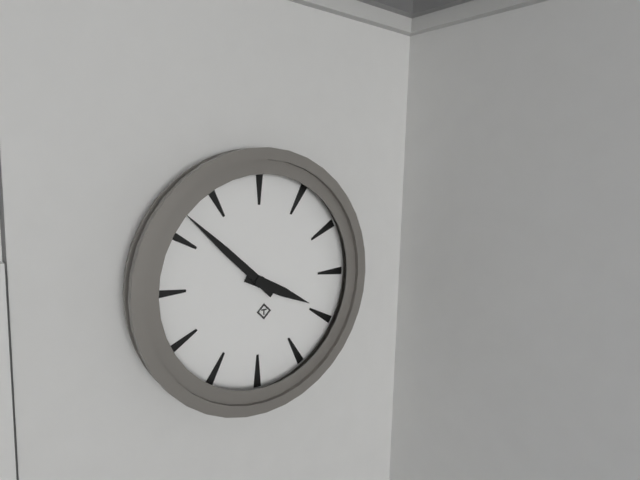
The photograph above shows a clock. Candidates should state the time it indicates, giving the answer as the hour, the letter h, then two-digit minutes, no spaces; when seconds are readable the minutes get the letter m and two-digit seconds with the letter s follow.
3h52
